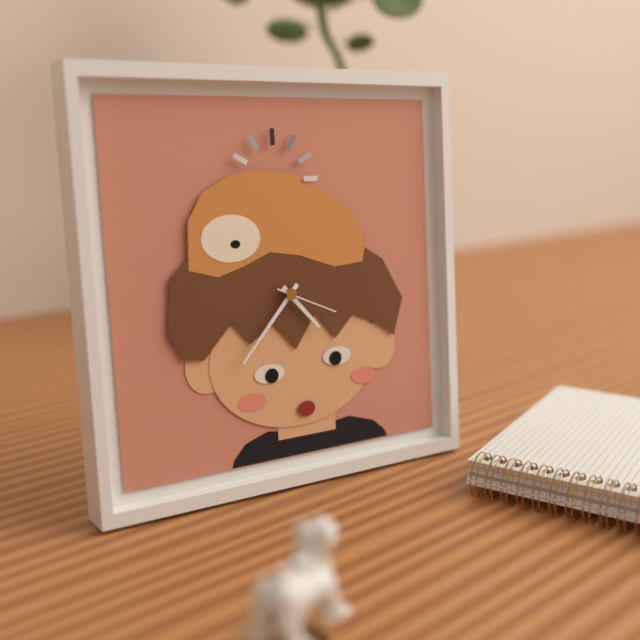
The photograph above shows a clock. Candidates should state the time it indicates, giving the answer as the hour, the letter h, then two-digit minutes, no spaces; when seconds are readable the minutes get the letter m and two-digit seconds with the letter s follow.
4h37m19s
